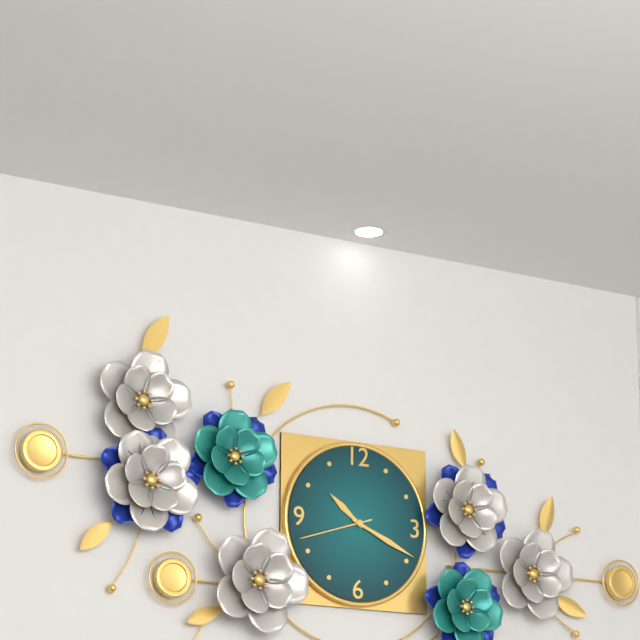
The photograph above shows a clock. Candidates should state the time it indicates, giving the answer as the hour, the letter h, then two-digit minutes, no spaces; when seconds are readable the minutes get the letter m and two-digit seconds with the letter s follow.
10h19m42s
